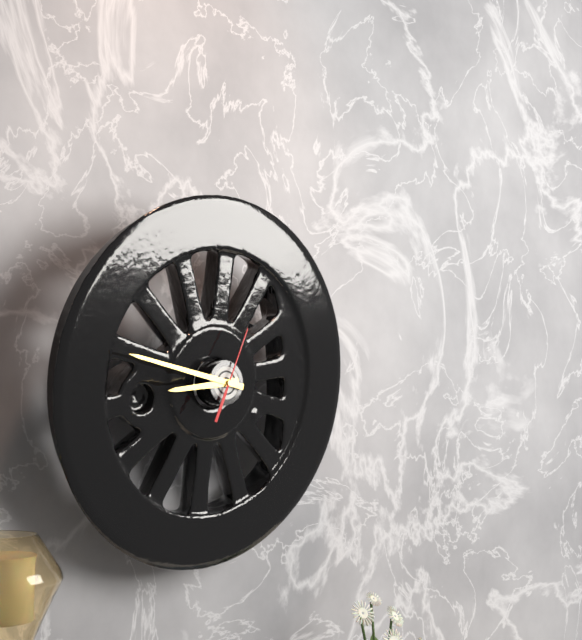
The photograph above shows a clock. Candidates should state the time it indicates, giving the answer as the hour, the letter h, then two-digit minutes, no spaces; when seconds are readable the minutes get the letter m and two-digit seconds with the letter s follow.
8h47m04s
